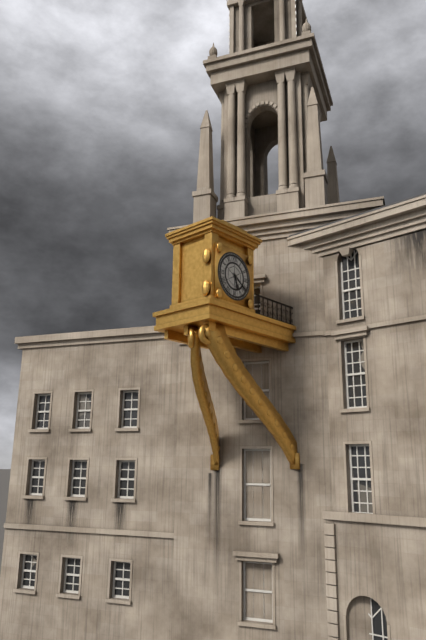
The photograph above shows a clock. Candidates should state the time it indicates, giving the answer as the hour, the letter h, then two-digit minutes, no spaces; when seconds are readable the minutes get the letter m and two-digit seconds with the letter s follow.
5h21
